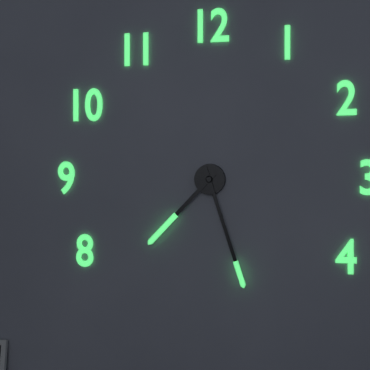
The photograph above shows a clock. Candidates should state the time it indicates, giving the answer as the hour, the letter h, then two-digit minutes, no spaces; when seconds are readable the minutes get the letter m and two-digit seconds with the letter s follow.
7h27
